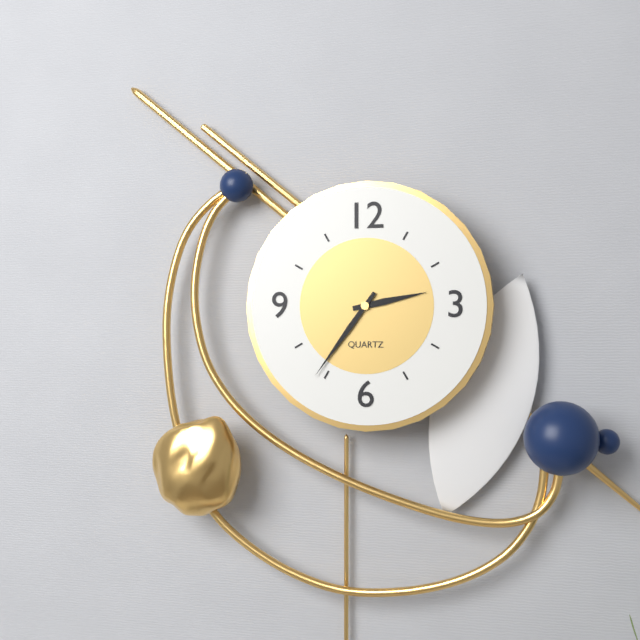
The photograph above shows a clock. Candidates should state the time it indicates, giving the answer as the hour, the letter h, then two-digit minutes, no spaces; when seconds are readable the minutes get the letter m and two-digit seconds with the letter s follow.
2h36
